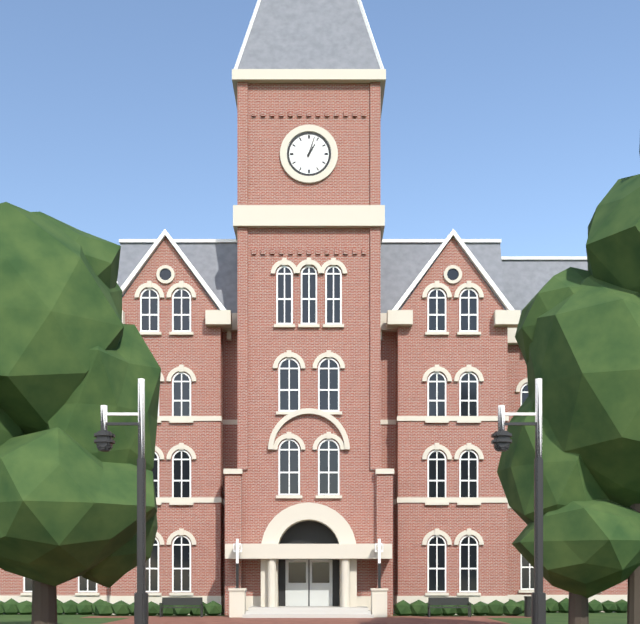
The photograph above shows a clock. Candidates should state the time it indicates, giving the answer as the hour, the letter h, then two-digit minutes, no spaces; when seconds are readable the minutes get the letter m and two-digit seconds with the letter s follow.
1h03
